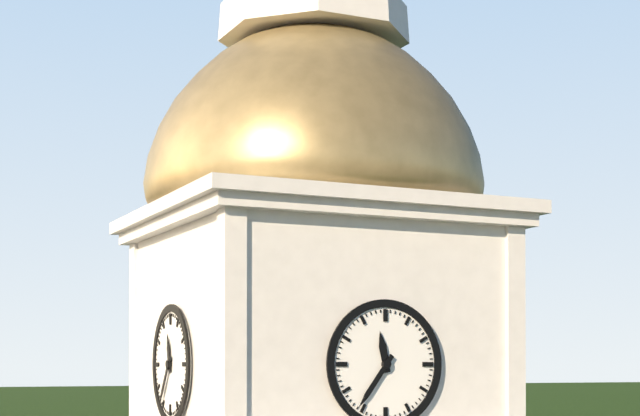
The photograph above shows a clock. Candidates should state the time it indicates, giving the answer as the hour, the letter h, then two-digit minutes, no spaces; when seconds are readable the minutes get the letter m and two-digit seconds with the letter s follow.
11h36
